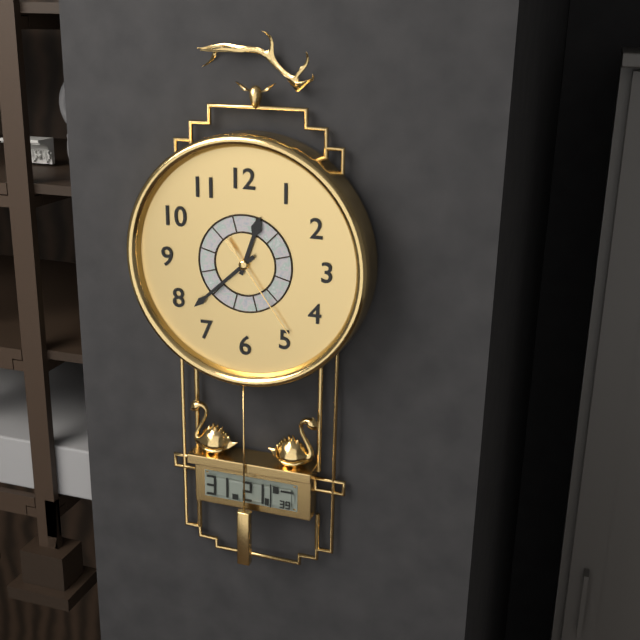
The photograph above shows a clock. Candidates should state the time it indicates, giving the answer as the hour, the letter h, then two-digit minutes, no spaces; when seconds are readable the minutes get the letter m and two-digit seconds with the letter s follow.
12h38m24s
